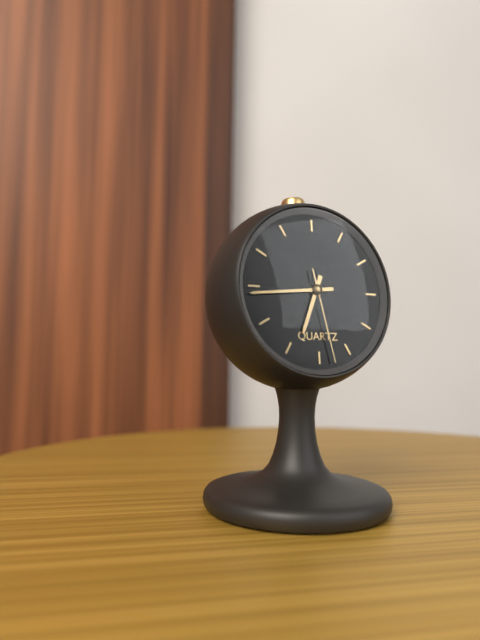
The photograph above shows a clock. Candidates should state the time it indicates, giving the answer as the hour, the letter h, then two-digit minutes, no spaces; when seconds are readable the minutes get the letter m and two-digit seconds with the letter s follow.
6h44m28s
